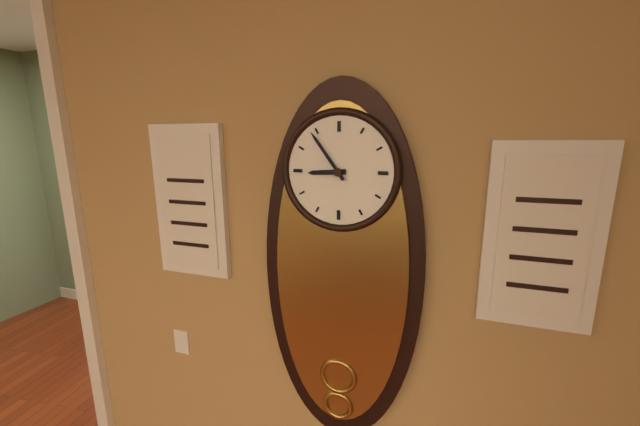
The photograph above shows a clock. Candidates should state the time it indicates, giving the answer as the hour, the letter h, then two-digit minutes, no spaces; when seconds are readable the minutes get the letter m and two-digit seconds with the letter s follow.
8h54
